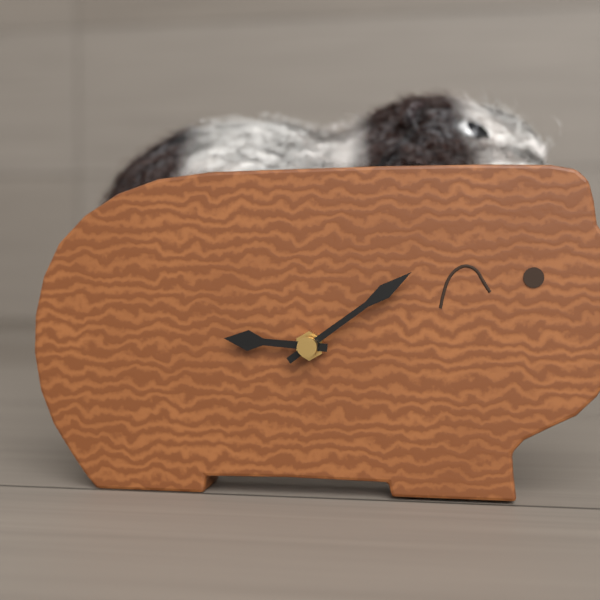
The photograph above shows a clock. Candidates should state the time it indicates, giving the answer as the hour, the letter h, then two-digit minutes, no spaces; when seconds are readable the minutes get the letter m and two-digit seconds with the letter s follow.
9h09
